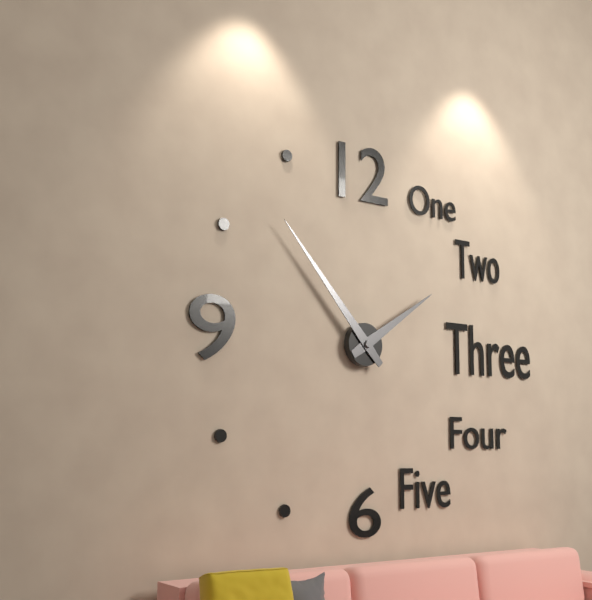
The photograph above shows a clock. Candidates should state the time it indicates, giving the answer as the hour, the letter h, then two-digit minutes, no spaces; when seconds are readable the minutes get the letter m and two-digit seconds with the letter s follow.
1h53
